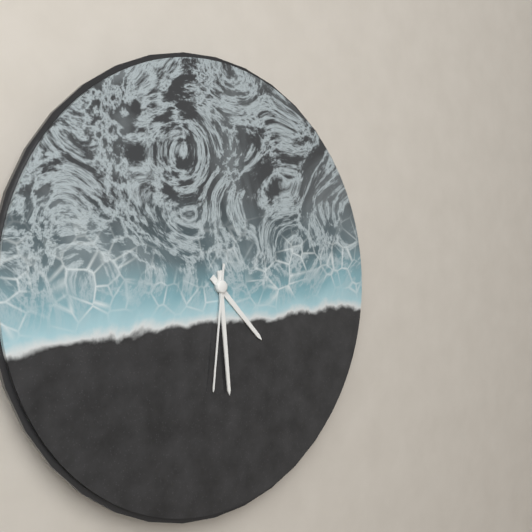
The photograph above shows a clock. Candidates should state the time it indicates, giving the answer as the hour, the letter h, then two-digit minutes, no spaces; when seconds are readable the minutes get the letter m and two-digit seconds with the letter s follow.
4h29m31s
